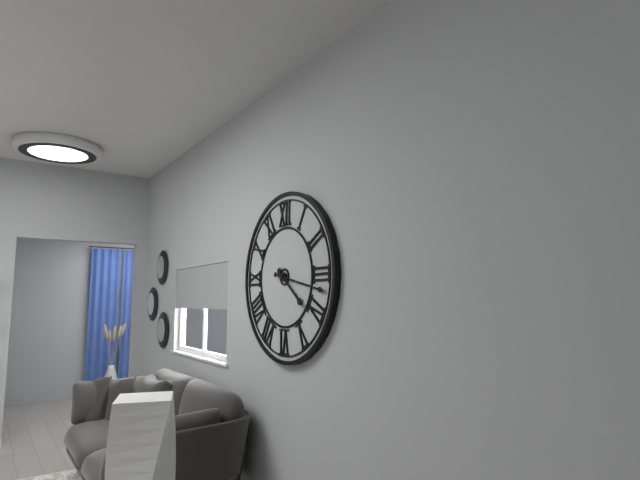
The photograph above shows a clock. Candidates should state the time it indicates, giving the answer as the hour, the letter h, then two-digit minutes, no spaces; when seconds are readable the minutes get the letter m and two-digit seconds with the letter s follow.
4h17
